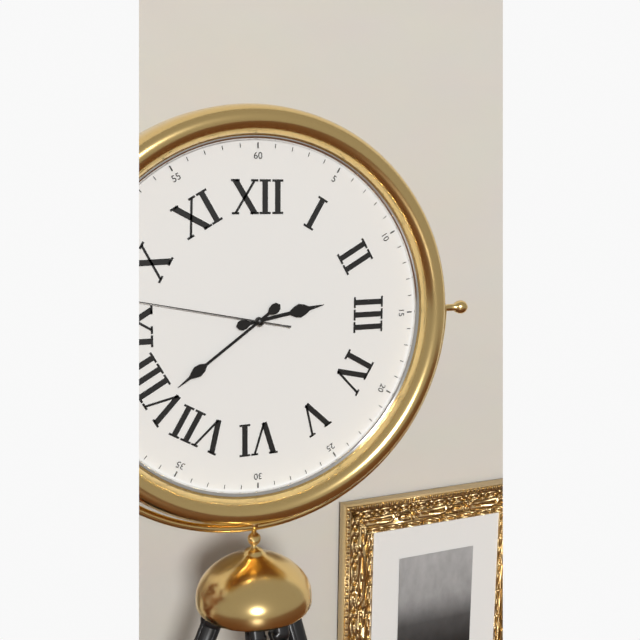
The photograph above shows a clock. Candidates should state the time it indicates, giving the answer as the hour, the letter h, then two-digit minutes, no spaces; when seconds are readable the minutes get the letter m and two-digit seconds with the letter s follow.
2h39m47s
